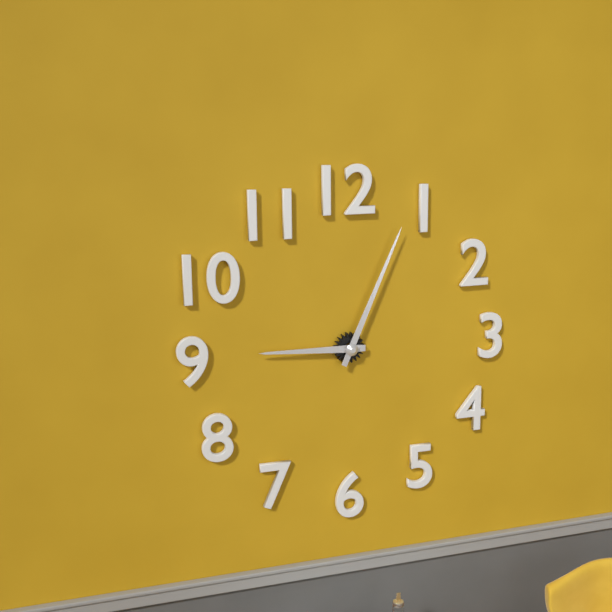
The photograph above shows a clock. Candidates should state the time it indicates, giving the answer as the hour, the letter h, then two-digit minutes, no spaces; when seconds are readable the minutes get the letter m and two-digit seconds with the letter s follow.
9h04
